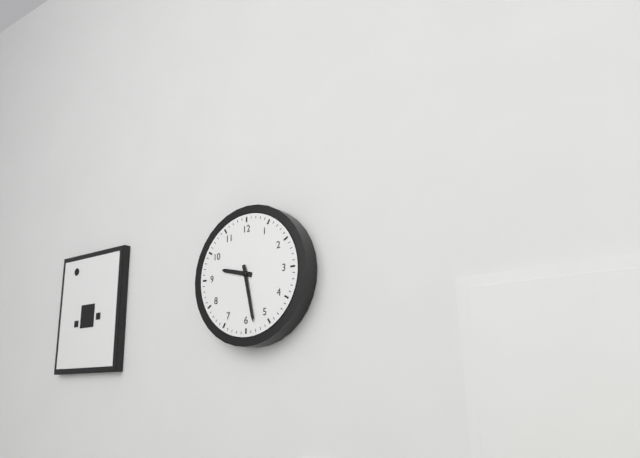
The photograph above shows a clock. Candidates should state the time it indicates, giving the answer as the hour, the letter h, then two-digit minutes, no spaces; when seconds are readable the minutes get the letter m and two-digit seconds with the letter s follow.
9h28
